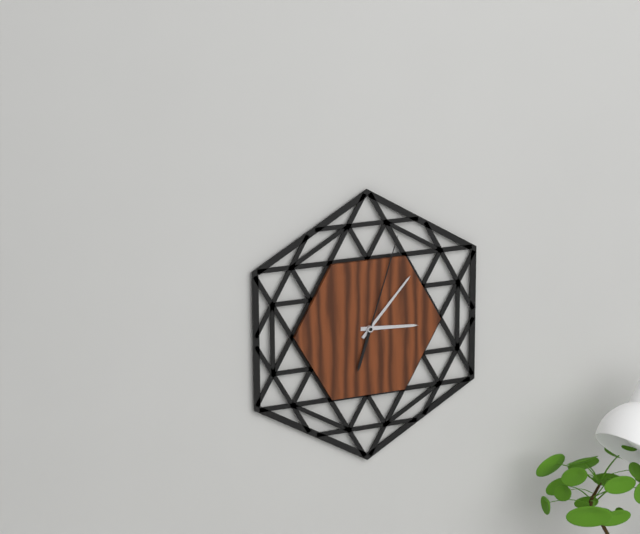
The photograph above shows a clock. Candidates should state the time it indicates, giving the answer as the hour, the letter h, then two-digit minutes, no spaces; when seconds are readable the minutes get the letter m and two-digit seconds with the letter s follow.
3h07m03s
